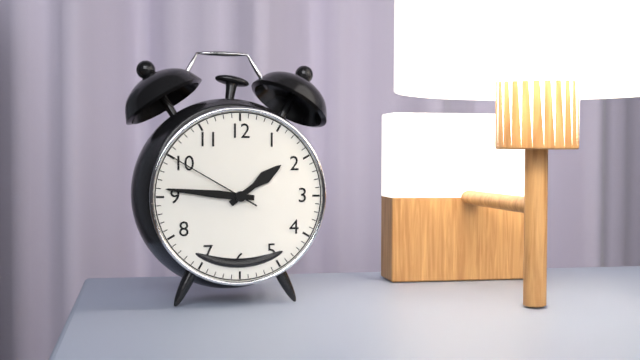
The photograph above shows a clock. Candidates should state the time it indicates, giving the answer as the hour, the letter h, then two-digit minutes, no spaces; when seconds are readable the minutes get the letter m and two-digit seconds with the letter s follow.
1h46m50s
